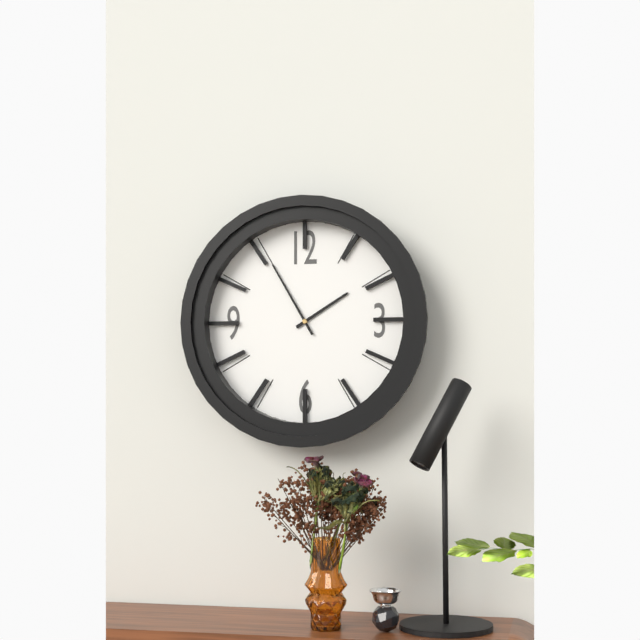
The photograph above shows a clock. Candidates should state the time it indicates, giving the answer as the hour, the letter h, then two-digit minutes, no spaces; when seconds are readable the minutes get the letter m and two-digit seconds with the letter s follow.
1h55
